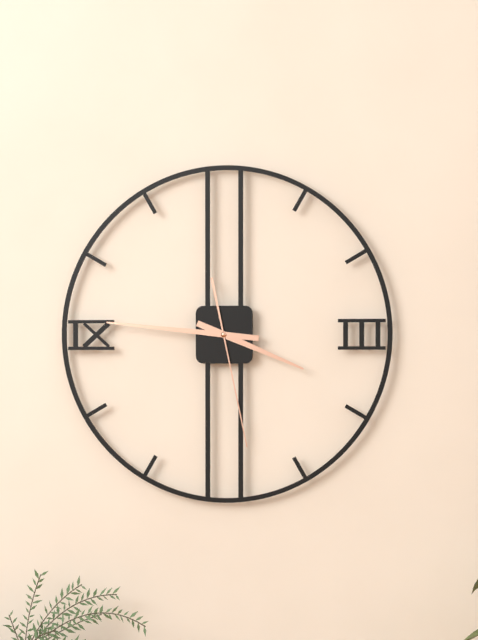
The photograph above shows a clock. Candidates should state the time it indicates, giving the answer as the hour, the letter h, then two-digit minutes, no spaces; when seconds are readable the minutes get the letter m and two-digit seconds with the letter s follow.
3h46m28s
